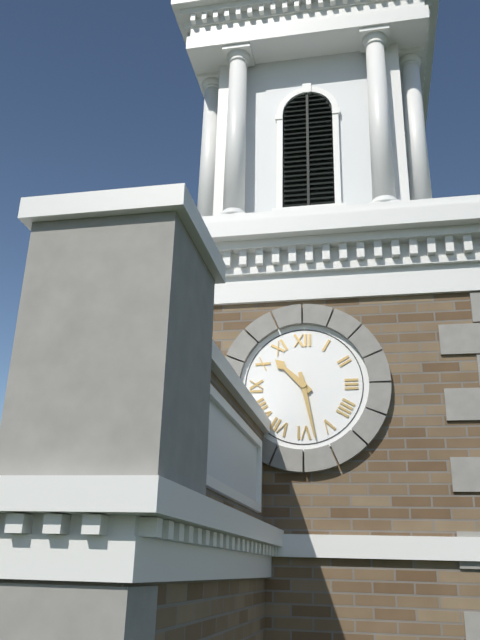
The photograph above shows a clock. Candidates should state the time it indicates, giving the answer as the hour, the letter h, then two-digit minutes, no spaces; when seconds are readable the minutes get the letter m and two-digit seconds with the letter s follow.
10h28
